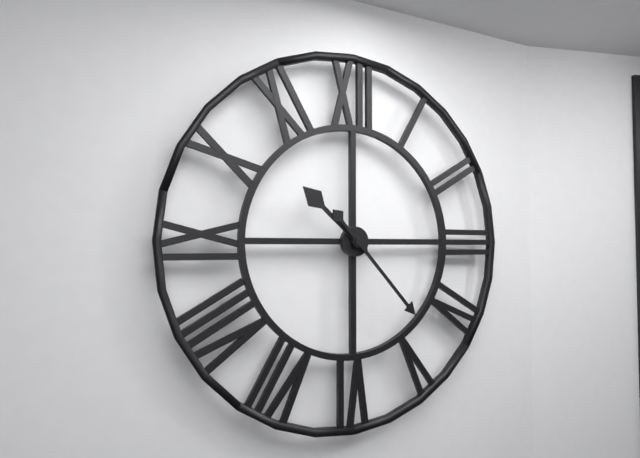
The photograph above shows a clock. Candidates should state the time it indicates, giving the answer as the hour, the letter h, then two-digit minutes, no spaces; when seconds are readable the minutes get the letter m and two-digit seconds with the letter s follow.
10h23
